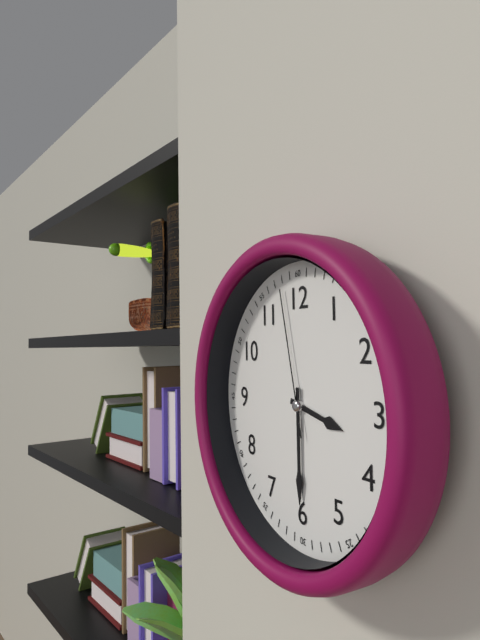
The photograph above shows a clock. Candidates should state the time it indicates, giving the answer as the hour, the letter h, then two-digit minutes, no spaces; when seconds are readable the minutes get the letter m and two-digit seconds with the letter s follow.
3h30m58s
